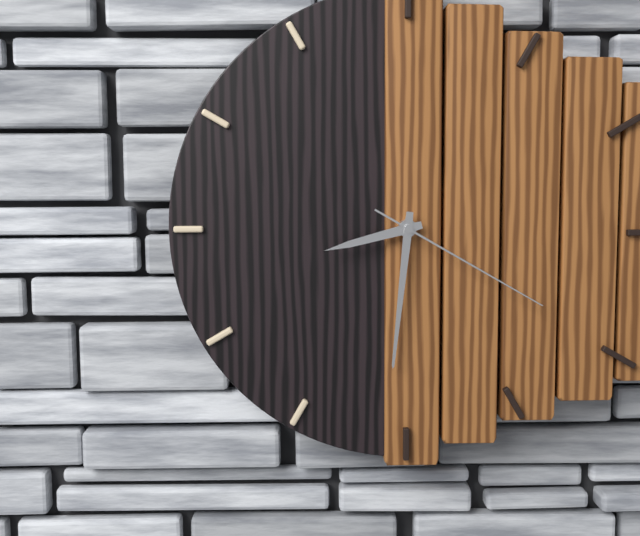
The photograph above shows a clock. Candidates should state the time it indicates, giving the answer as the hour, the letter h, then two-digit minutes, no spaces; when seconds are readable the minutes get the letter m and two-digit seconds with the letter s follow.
8h31m20s
